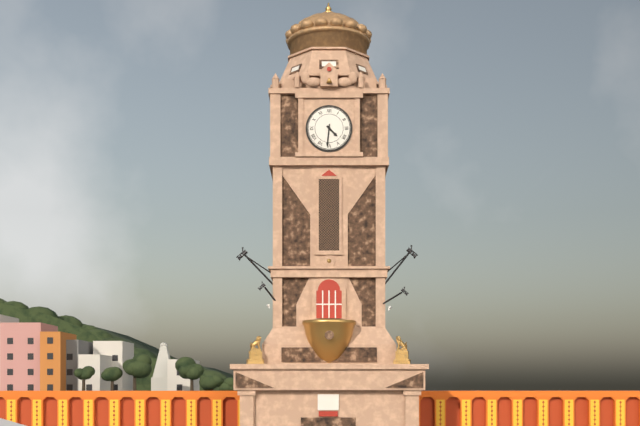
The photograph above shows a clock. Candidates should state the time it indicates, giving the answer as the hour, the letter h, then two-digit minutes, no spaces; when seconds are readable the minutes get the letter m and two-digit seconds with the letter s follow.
4h31
